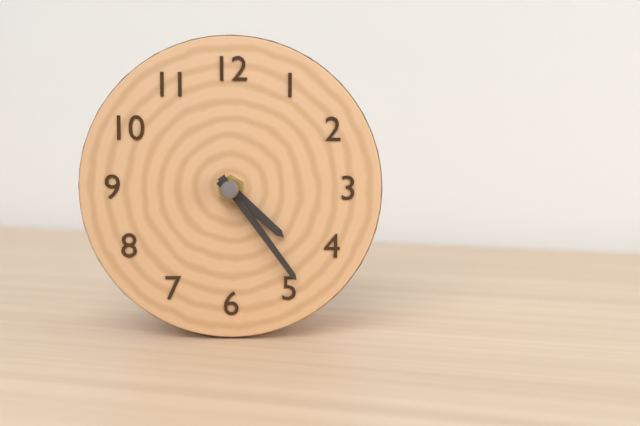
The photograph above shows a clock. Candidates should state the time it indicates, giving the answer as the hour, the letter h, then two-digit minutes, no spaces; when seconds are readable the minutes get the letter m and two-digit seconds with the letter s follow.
4h24
